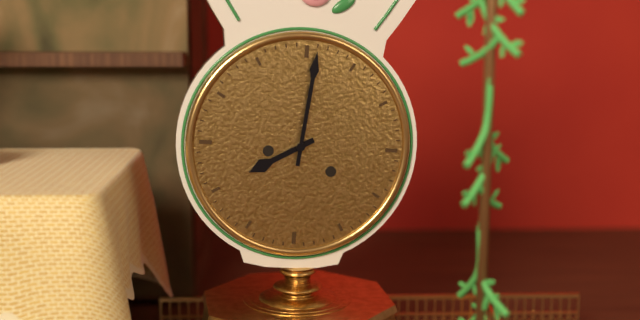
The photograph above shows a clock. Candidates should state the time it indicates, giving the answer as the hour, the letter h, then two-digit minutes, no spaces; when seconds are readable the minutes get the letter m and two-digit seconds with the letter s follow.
8h01
